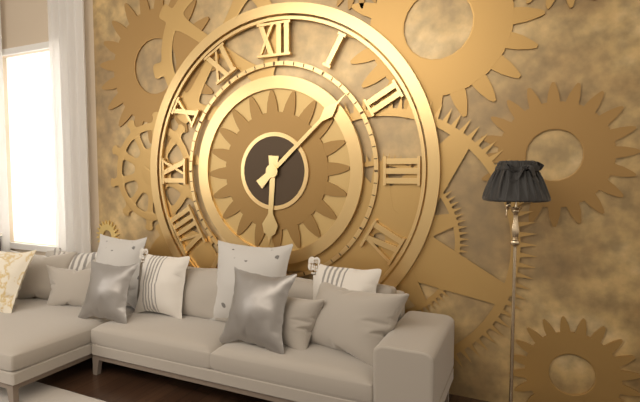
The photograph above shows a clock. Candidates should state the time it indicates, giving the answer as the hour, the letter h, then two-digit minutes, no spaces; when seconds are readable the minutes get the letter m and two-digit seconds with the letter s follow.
6h08
